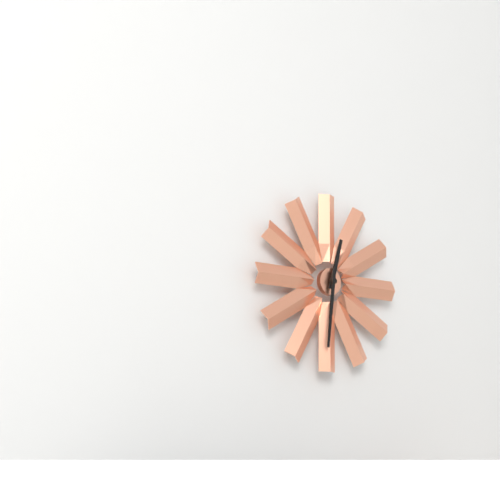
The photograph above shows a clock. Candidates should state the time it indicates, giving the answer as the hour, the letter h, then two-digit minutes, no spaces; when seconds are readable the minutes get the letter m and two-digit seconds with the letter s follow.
12h31
